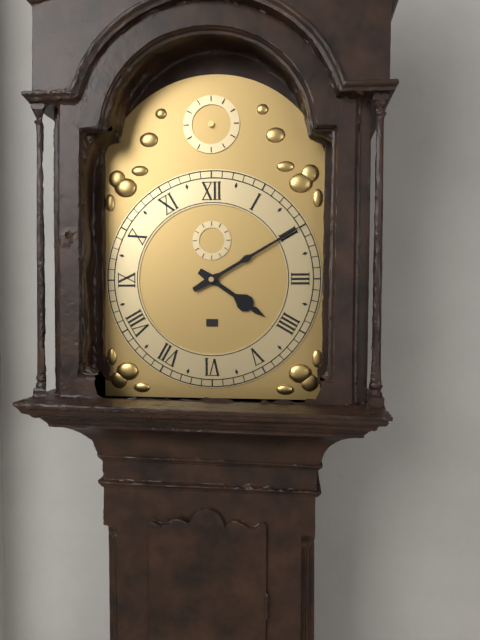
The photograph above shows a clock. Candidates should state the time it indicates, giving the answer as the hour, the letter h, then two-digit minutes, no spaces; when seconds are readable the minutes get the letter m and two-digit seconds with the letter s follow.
4h10
